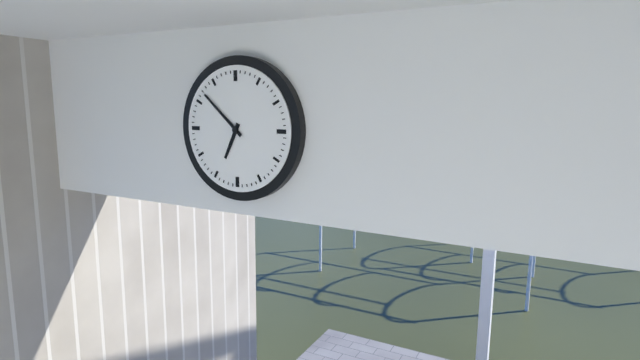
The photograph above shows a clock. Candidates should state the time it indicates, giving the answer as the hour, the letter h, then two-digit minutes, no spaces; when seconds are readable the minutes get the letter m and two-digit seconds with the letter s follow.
6h52
